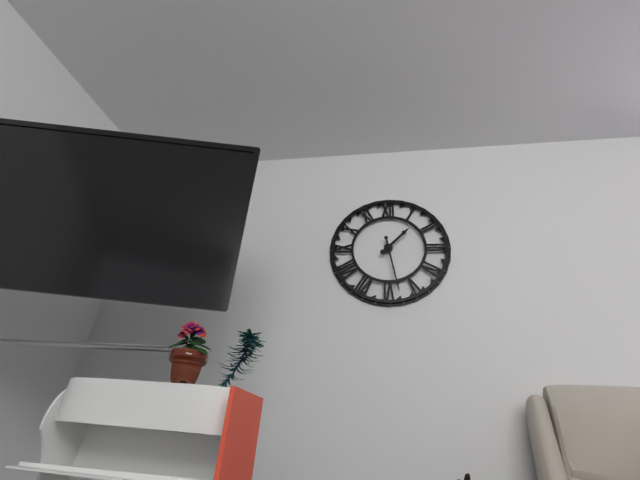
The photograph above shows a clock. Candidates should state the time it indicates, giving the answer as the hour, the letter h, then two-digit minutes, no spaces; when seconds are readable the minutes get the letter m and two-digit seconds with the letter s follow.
1h28
